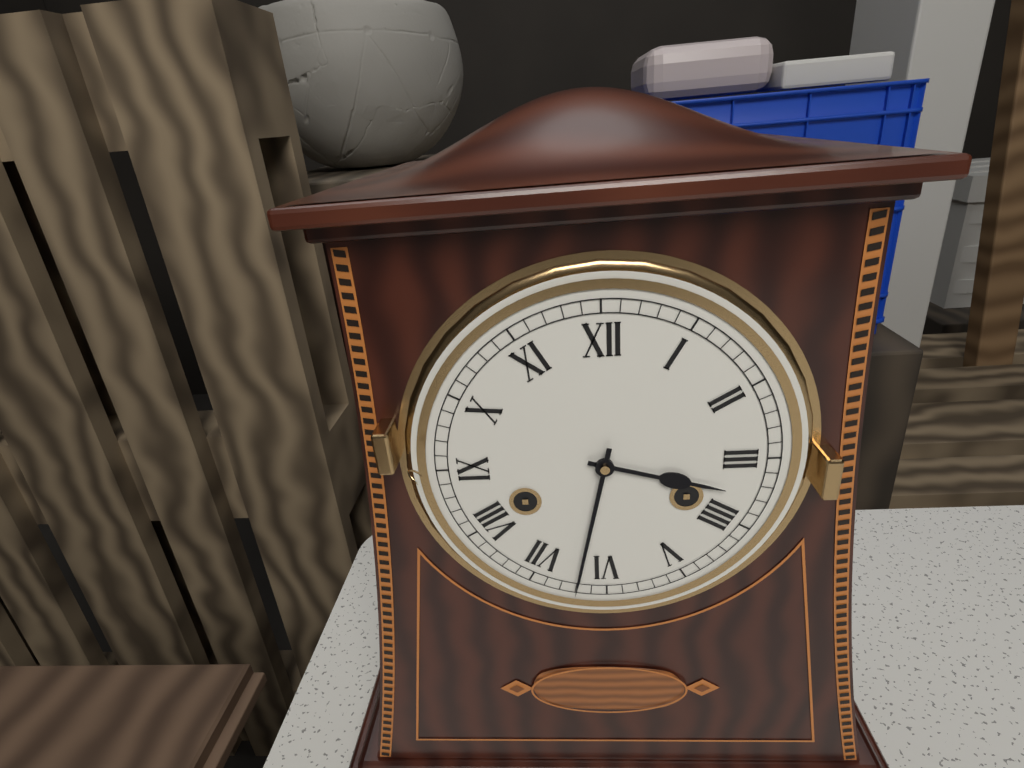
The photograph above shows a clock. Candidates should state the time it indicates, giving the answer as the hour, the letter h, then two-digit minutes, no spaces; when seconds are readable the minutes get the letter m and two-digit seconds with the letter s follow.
3h32
